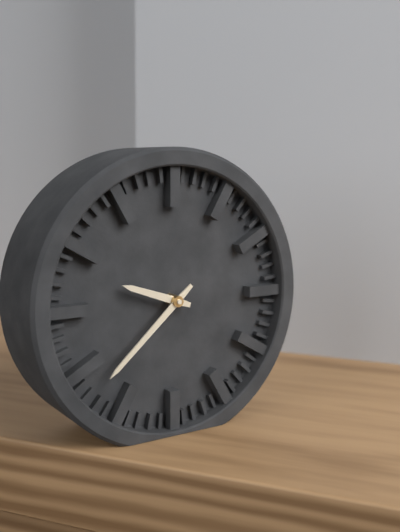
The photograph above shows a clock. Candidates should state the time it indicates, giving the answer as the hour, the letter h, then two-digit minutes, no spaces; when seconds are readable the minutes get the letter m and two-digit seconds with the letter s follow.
9h38
